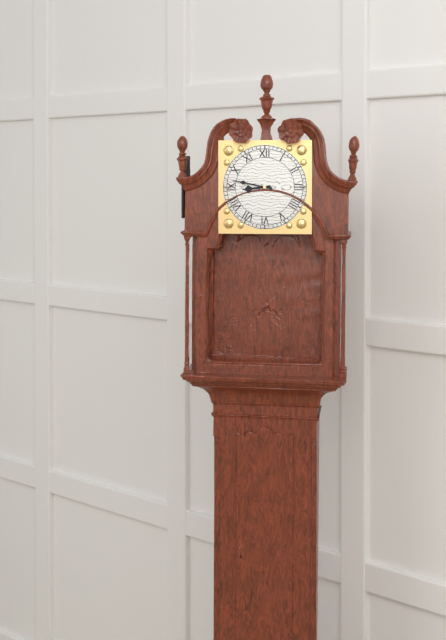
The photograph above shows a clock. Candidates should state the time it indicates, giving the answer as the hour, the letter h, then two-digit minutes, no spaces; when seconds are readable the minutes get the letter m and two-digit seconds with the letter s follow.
8h47
